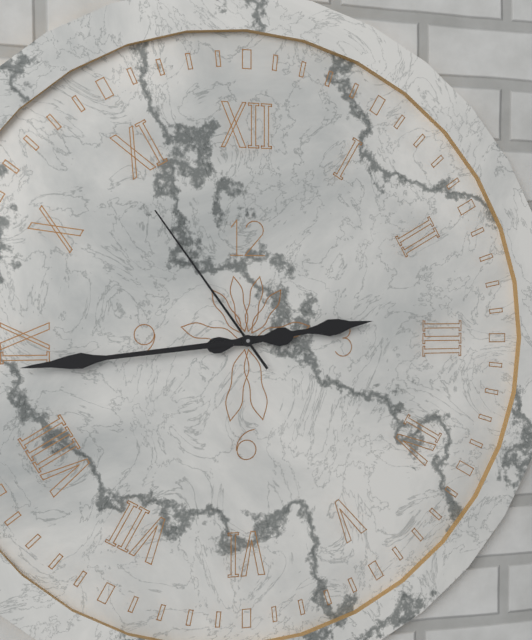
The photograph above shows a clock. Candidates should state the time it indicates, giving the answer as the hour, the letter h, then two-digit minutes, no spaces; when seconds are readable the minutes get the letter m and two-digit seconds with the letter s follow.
2h44m54s
